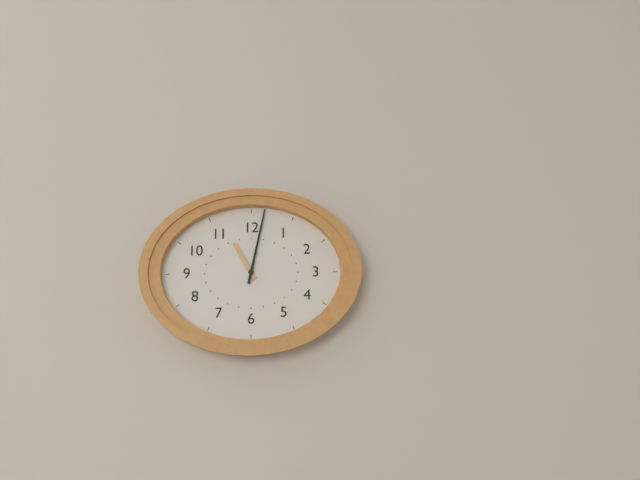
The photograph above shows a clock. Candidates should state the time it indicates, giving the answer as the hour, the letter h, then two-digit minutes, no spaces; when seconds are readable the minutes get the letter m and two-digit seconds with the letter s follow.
11h02
